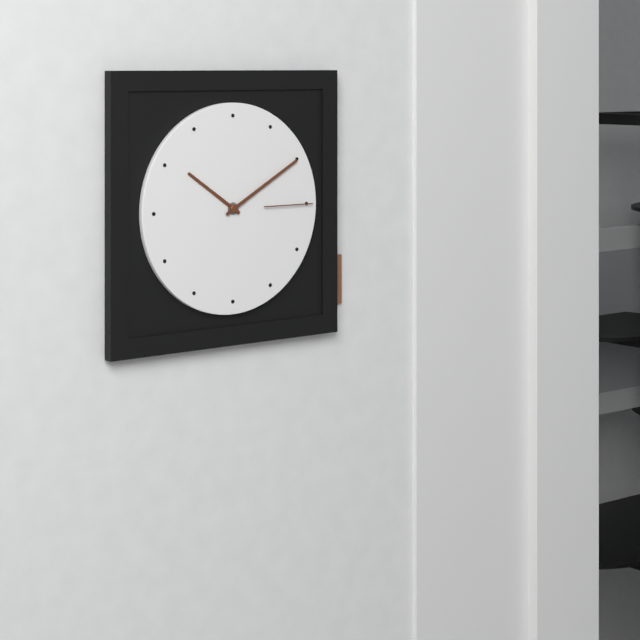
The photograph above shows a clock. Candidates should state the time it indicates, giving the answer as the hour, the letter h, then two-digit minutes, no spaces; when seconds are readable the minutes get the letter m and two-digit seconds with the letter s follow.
10h10m15s
